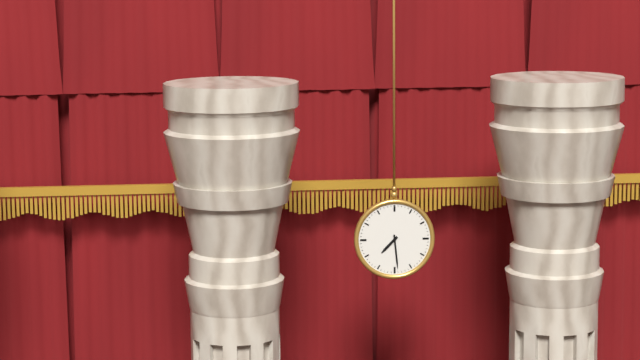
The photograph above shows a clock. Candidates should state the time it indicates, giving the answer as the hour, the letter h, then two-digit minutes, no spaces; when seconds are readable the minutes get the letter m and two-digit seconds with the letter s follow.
7h29
